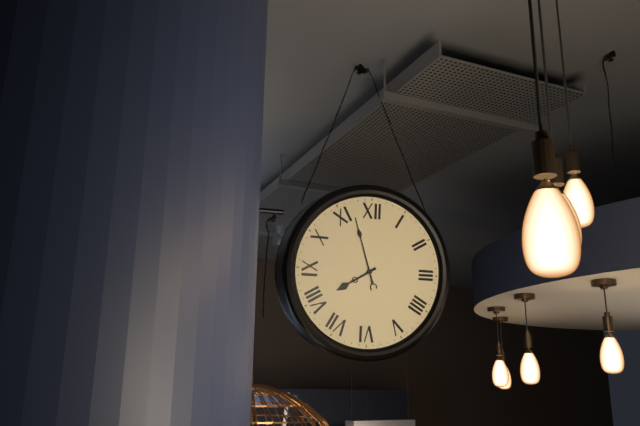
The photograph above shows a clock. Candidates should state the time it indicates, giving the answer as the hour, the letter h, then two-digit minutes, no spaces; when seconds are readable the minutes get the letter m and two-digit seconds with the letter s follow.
7h57
